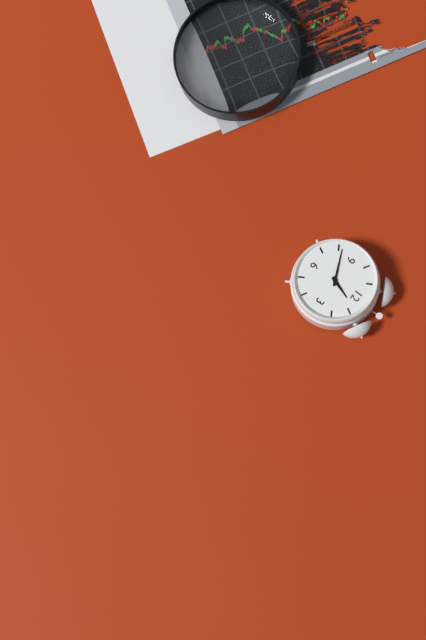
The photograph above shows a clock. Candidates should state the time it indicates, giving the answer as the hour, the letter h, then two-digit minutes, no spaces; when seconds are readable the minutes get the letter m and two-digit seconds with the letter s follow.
12h41
